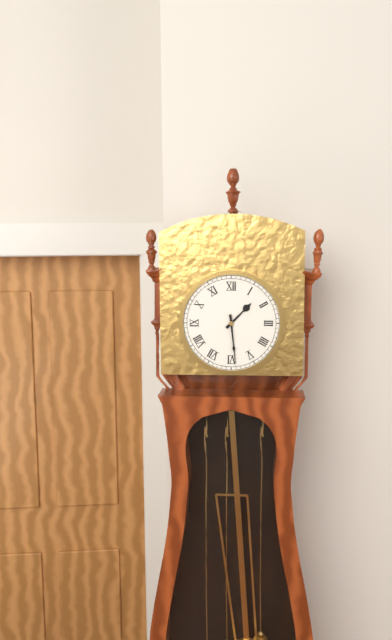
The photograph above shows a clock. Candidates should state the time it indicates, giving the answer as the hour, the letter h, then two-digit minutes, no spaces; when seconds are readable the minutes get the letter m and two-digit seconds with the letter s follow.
1h29
